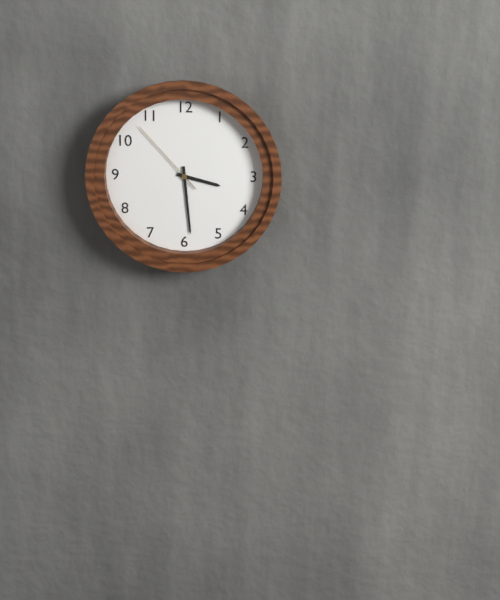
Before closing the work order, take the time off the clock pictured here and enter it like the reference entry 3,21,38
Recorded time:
3,29,53
